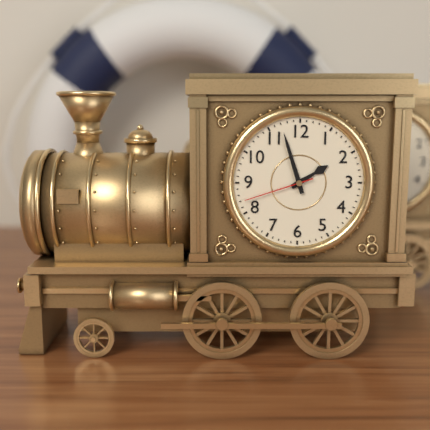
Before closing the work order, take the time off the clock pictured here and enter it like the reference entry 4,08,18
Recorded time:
1,57,42
